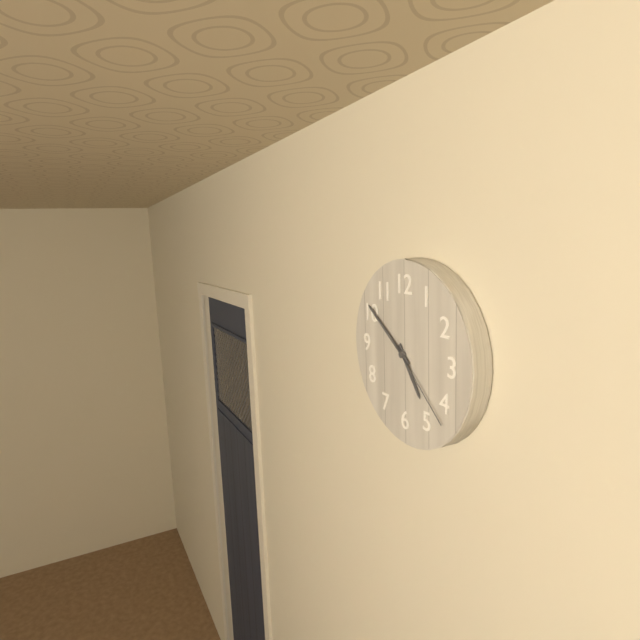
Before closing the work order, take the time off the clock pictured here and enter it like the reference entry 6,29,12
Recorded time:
4,51,22
